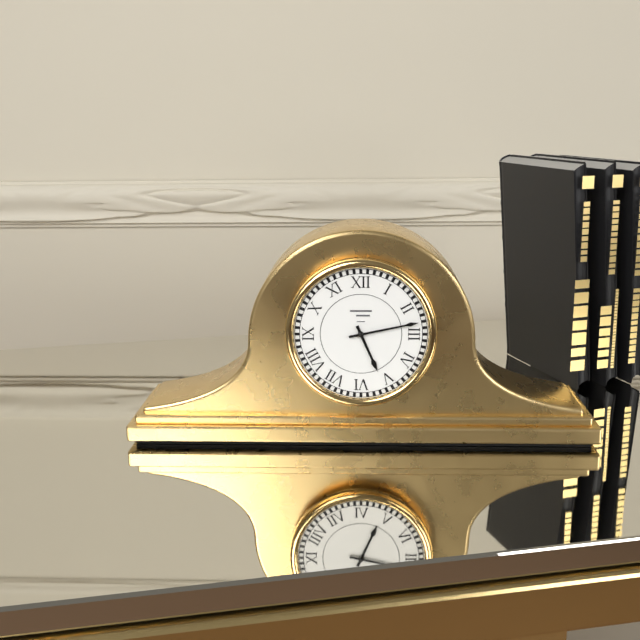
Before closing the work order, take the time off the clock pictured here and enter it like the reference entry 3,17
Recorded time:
5,13
